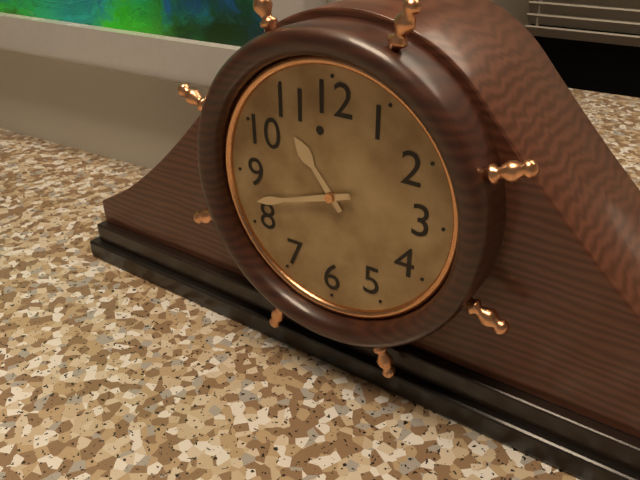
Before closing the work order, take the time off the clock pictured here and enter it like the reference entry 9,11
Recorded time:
10,42
